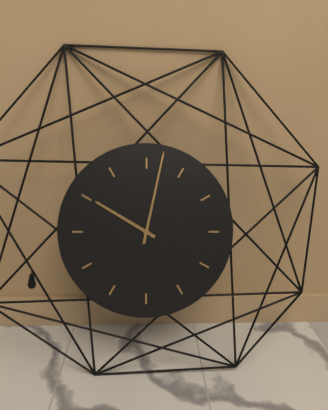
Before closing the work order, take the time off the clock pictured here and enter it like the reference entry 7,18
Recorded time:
10,02
